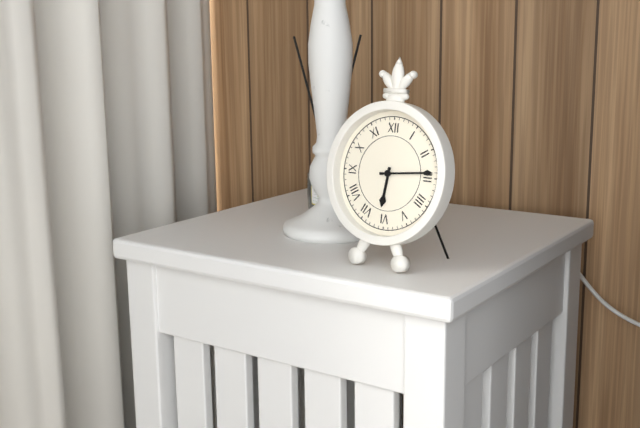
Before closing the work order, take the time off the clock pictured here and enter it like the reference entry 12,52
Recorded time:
6,14
